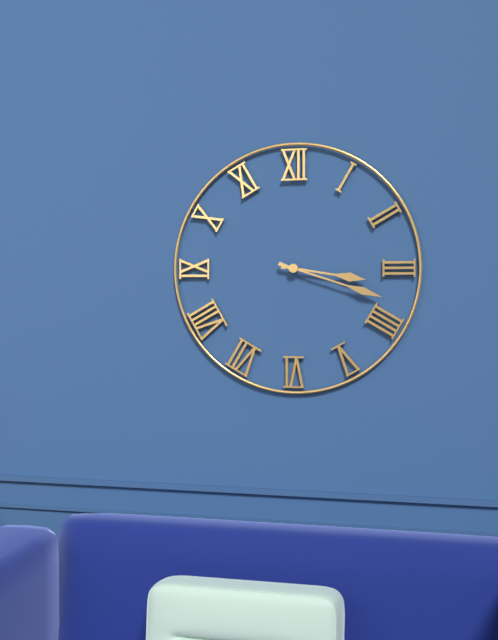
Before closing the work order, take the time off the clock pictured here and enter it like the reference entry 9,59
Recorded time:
3,18
